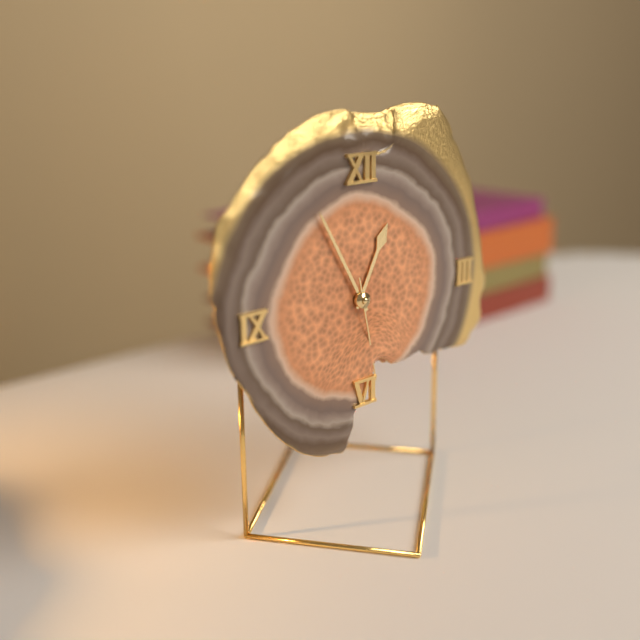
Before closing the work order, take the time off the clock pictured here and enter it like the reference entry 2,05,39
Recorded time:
12,55,28
